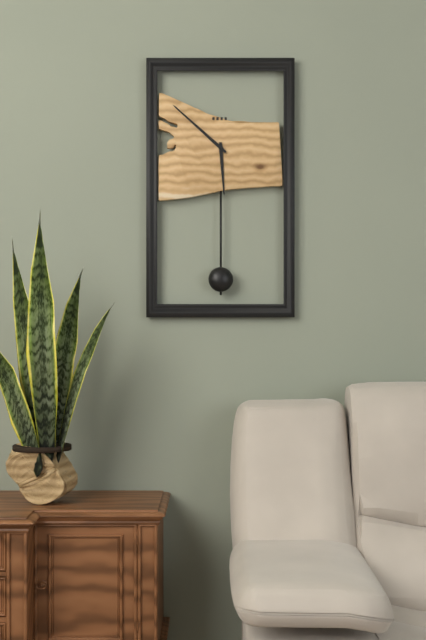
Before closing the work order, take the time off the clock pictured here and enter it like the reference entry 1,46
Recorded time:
5,52
